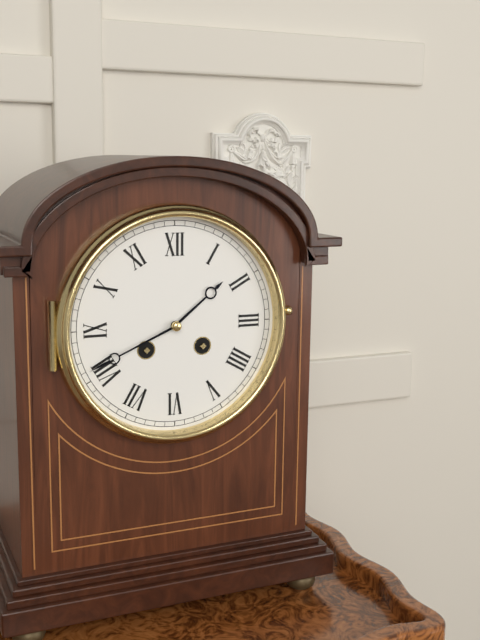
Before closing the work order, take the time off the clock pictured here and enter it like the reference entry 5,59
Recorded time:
1,41
